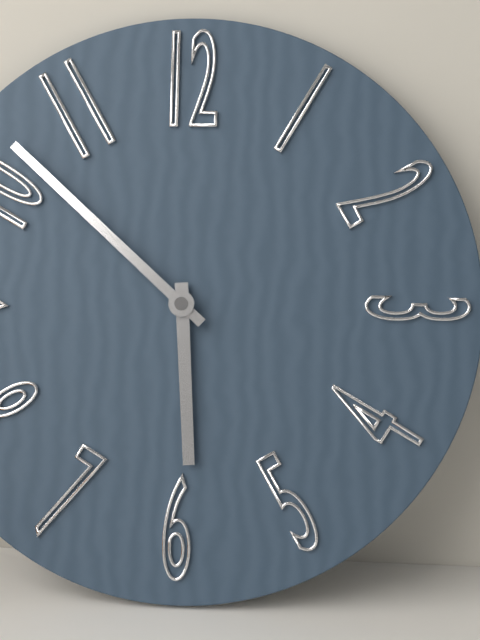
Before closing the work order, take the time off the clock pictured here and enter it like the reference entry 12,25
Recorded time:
5,52
